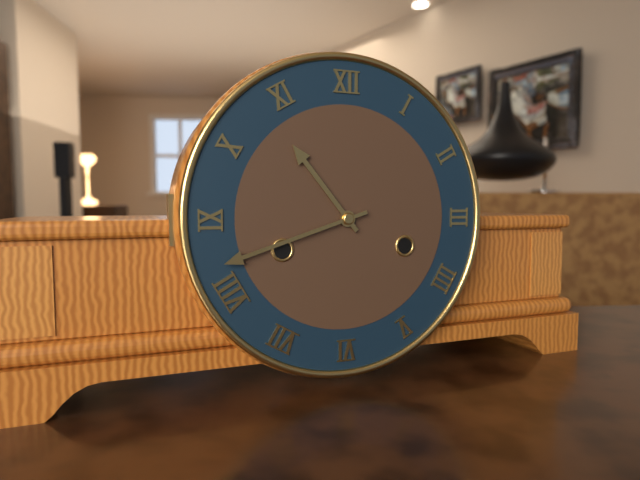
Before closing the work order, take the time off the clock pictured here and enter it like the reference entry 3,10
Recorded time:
10,42
